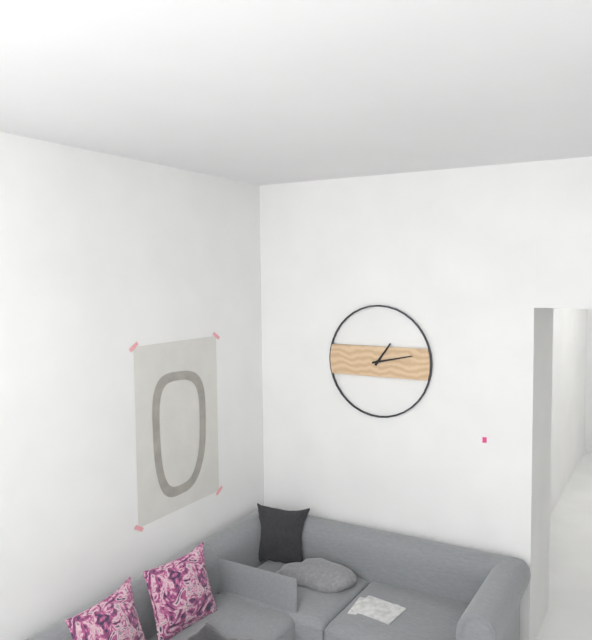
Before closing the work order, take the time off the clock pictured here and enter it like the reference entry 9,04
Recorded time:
1,13
